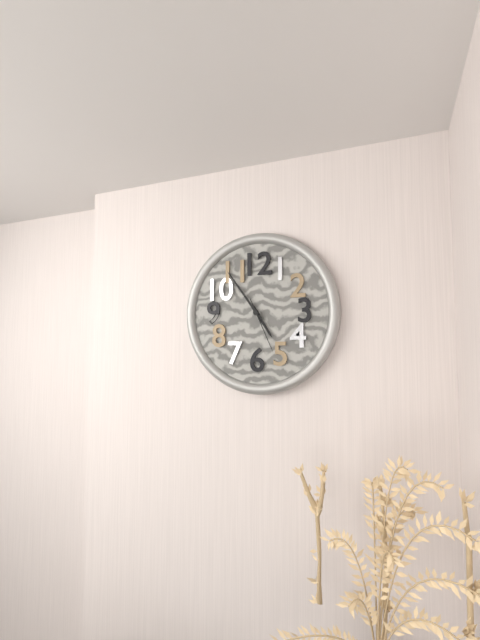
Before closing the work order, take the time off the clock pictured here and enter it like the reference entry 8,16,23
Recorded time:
4,54,26
